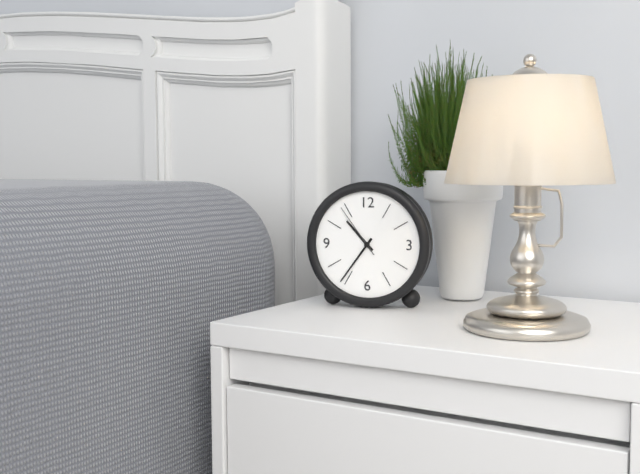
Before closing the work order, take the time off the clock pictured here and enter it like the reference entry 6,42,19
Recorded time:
10,36,54
